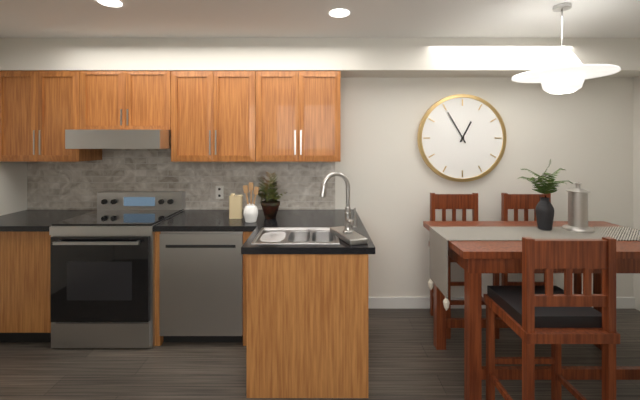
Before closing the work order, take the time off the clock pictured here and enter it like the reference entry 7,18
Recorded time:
12,55
